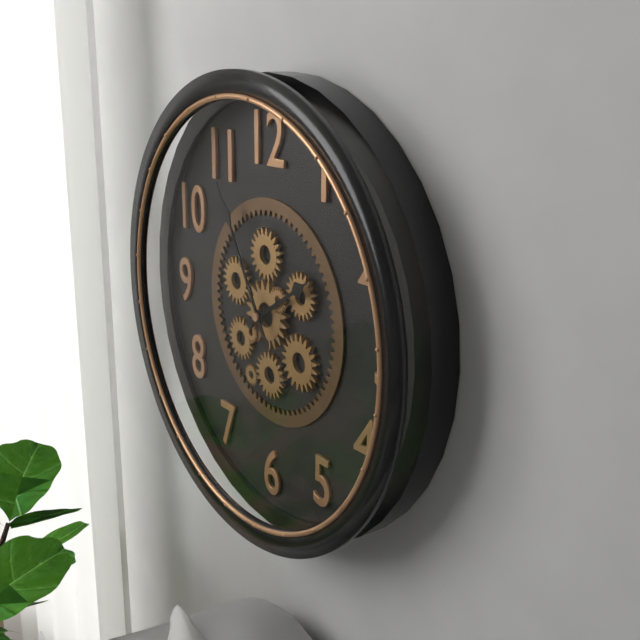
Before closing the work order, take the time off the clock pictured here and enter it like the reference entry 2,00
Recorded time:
1,55
